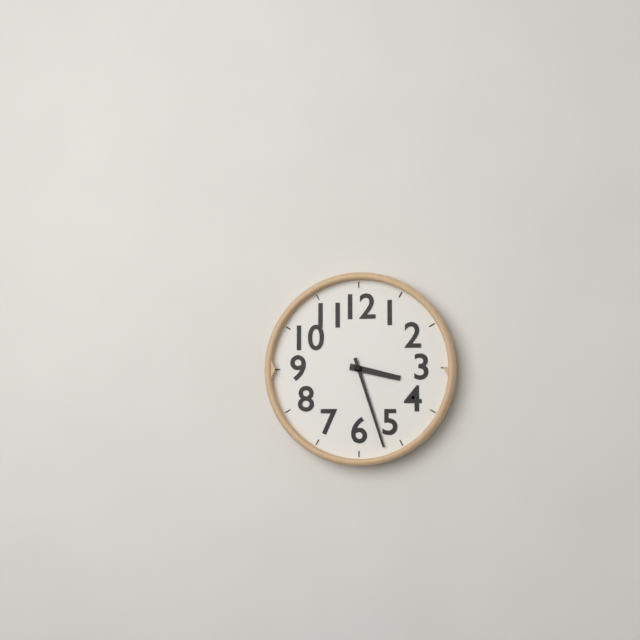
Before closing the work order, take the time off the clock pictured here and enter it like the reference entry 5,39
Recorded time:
3,27
